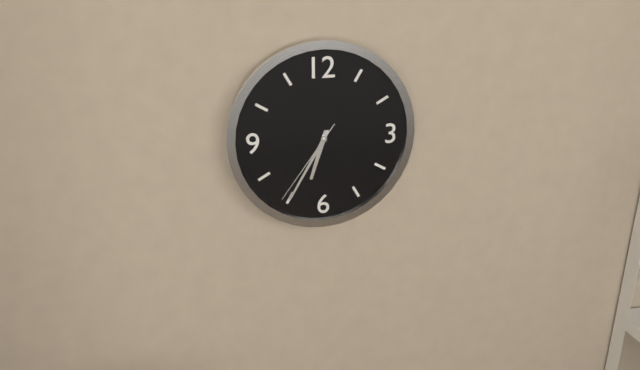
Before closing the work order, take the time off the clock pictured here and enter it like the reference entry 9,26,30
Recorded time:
6,35,36
